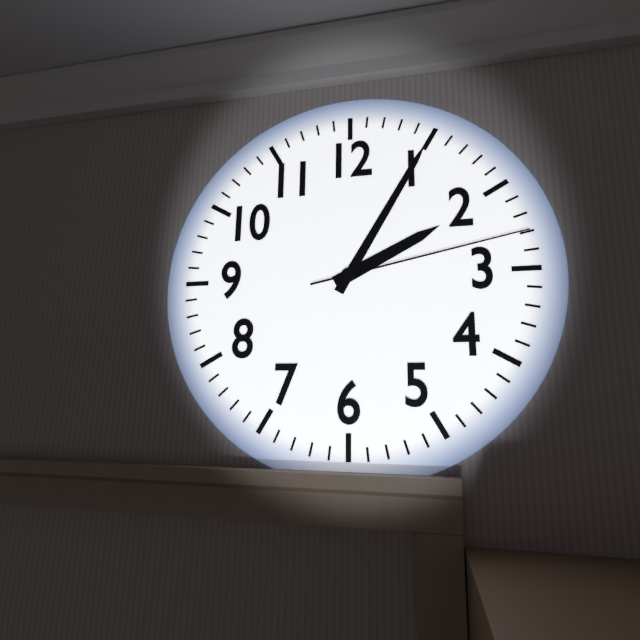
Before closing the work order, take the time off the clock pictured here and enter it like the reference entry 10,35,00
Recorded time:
2,05,13
